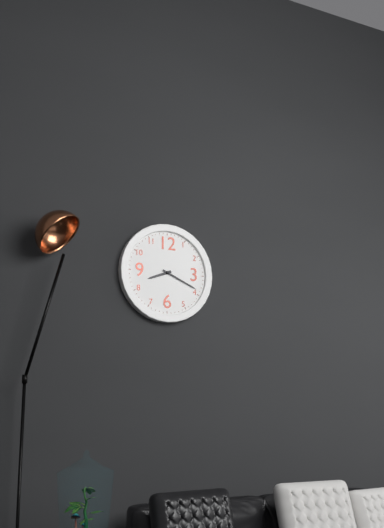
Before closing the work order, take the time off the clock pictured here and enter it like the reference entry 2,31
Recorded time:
8,19
